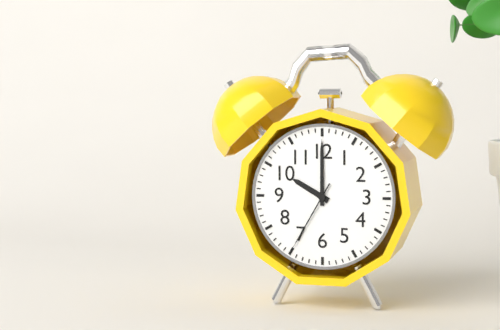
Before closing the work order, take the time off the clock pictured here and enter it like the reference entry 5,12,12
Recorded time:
10,00,35
